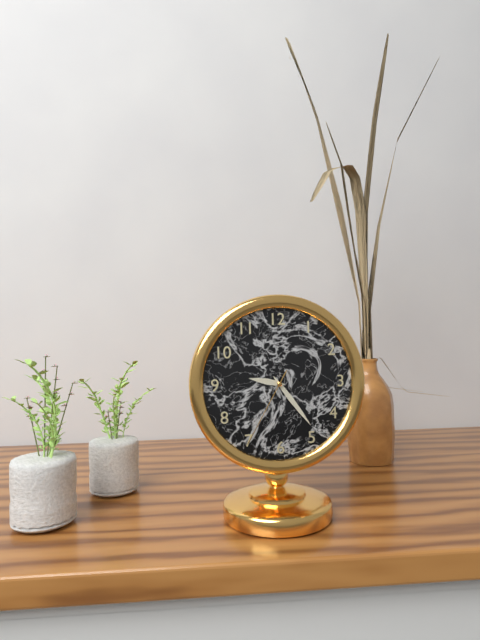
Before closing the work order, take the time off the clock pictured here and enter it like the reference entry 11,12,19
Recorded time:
9,24,35
